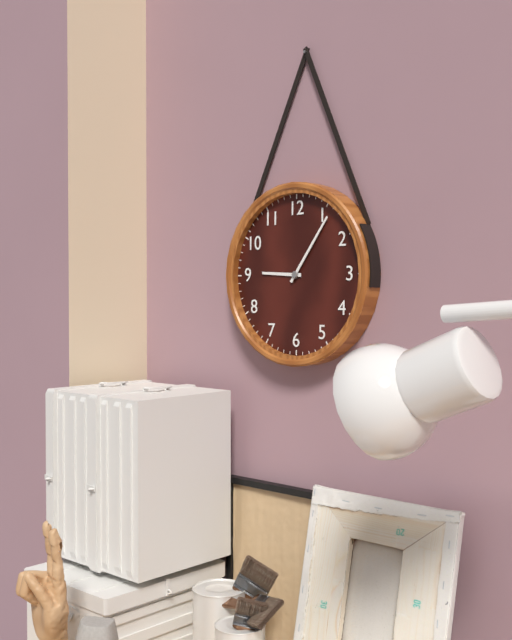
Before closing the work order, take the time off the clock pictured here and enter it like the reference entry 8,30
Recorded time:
9,06
